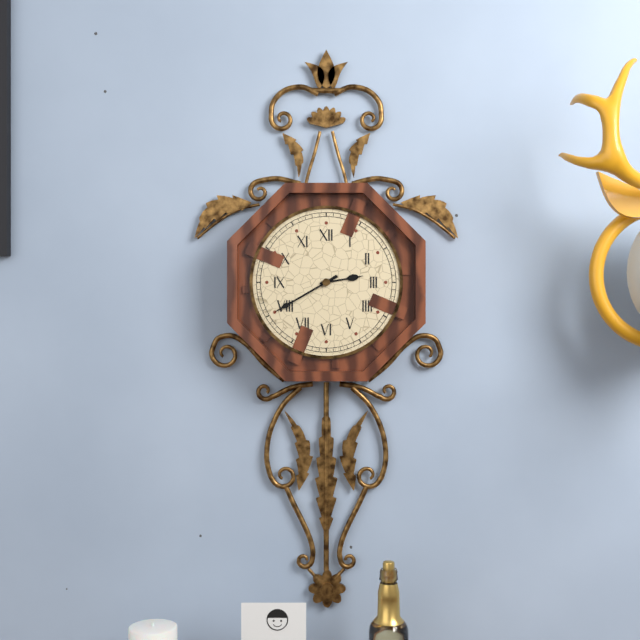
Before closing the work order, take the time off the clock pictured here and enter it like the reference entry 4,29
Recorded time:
2,40
